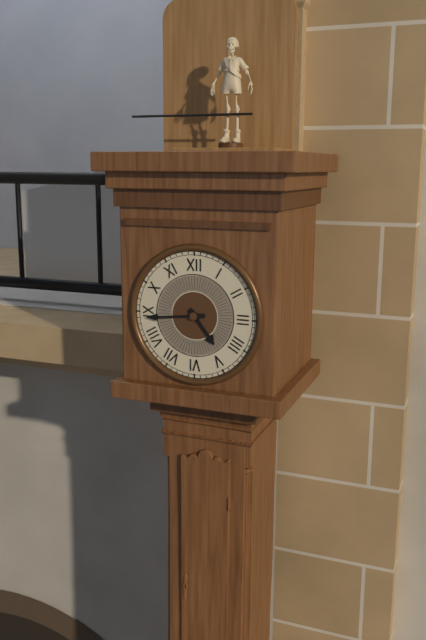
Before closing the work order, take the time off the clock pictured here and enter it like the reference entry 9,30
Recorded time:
4,44
